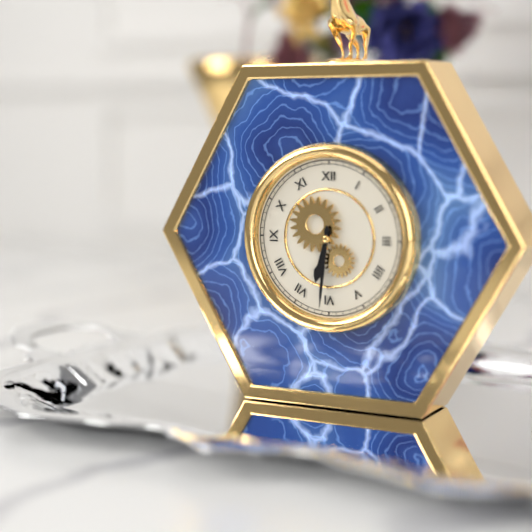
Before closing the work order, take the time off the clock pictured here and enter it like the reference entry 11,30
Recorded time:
6,31
